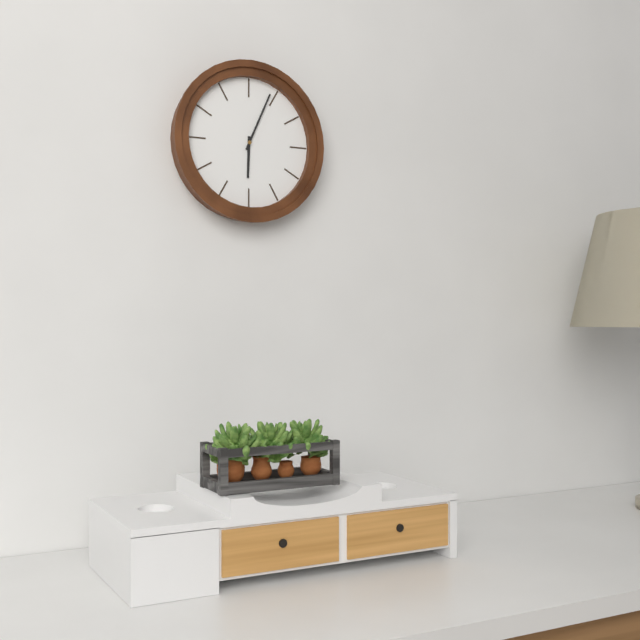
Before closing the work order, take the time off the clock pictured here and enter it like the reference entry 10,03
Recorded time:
6,04
